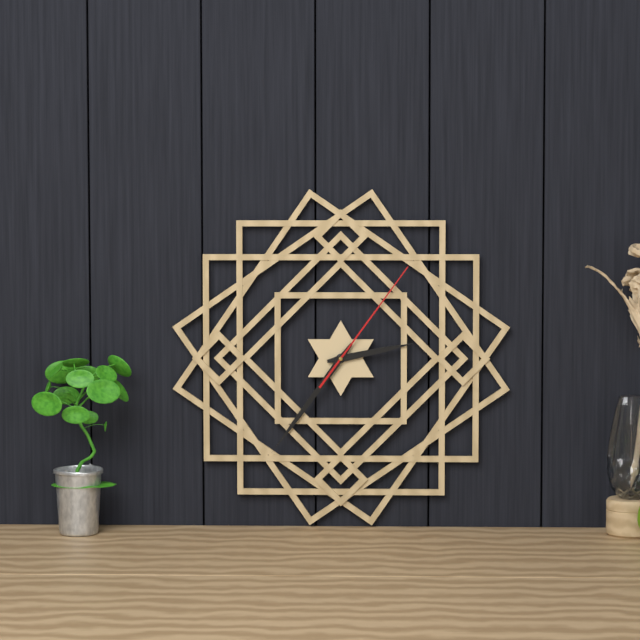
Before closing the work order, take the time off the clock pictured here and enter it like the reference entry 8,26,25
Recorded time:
2,36,06
